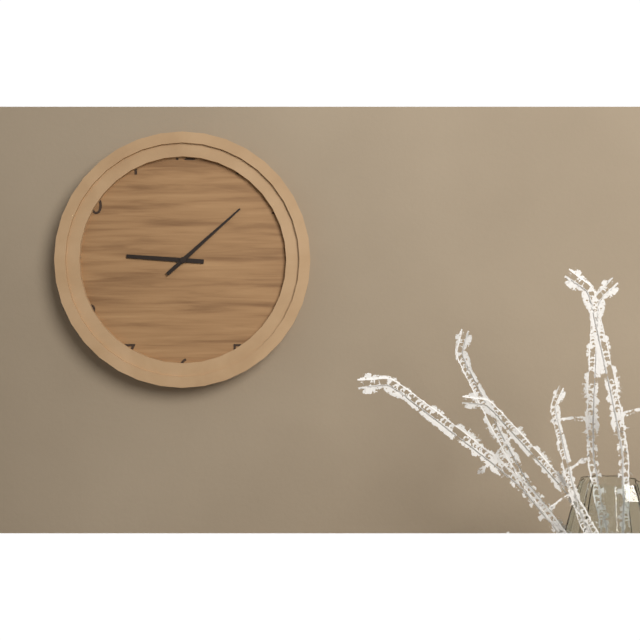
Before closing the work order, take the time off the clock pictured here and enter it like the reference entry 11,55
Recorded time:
9,08
